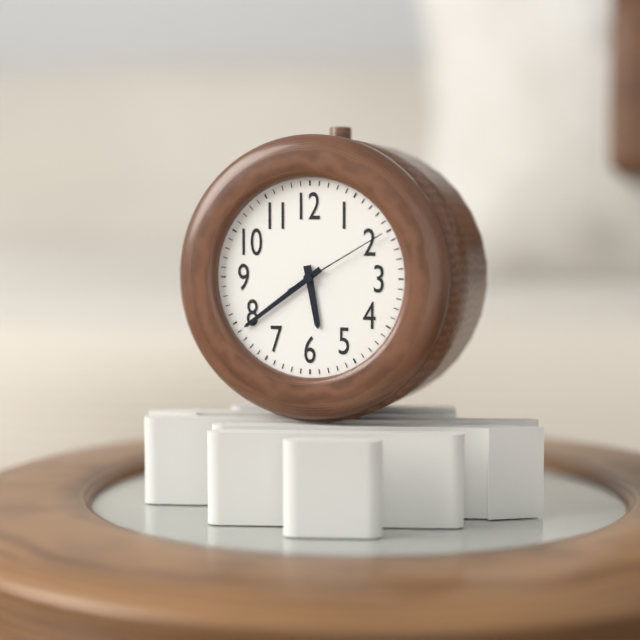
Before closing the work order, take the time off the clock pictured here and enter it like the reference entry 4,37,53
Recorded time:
5,39,10
